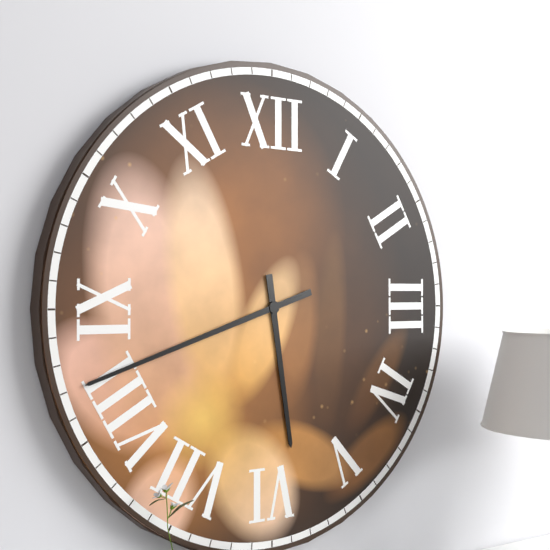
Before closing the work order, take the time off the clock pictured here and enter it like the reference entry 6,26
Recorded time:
5,42
